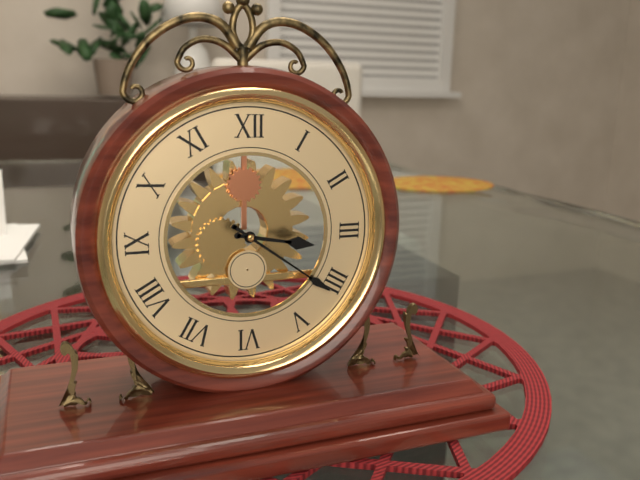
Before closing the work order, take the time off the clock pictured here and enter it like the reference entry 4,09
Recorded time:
3,21
